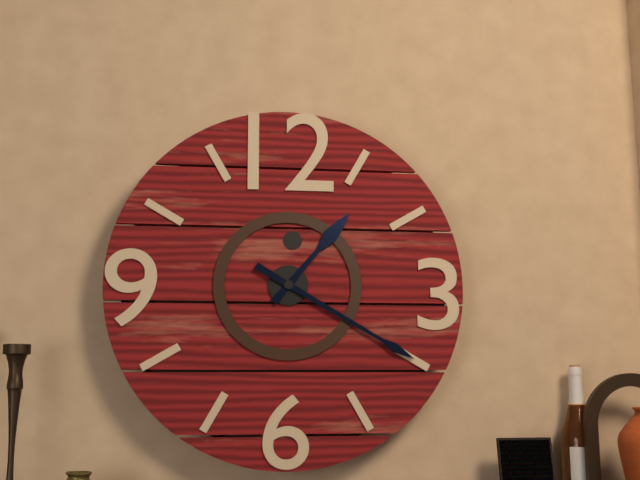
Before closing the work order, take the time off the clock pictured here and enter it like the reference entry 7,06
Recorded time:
1,20
